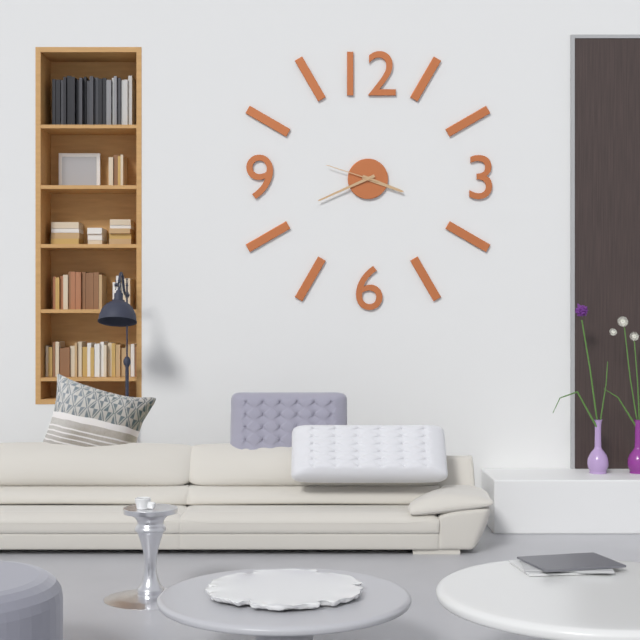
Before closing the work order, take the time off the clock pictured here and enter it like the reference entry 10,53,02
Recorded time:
3,41,48
